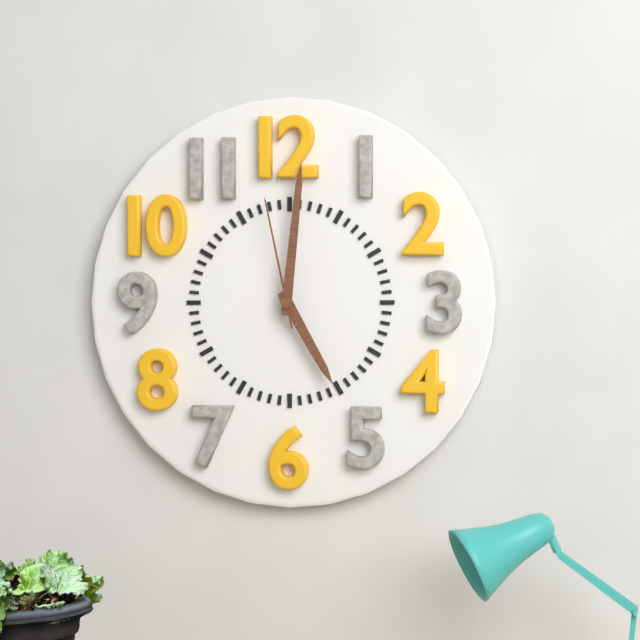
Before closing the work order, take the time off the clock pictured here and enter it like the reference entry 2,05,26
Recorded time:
5,01,58
